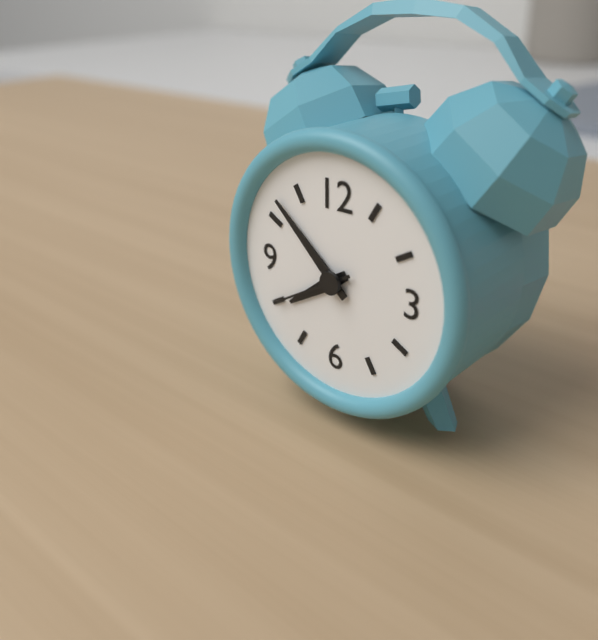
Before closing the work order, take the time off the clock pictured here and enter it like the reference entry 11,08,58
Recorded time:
7,52,40
